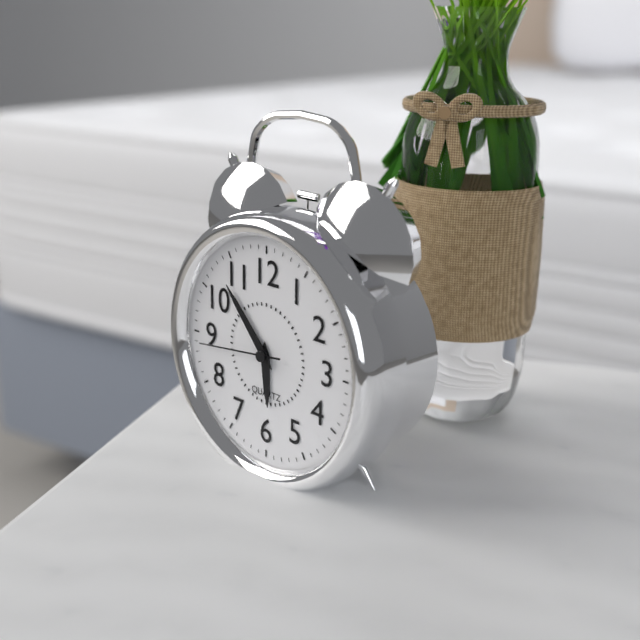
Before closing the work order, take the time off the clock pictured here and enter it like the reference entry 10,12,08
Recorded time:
5,53,44
